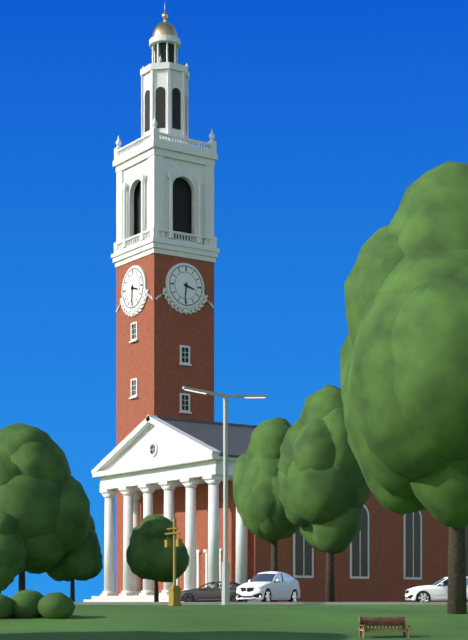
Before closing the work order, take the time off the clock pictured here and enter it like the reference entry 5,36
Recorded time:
3,31
